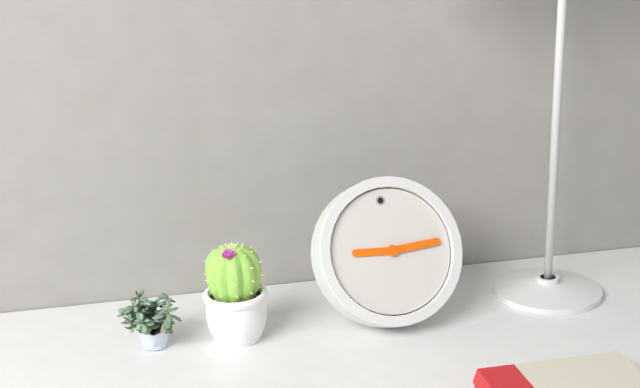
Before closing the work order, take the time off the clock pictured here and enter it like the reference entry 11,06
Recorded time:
9,15
